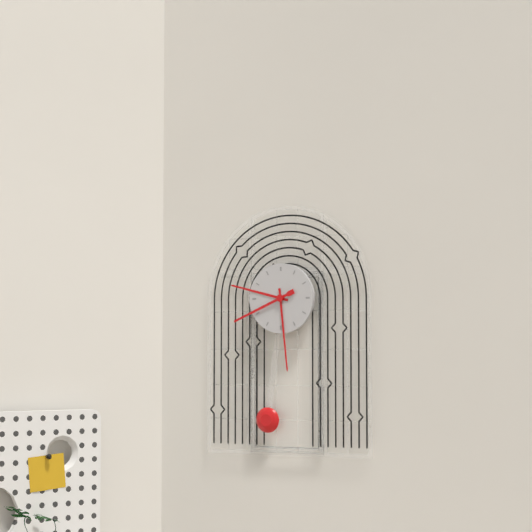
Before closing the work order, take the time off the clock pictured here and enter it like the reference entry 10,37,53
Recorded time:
9,29,41
